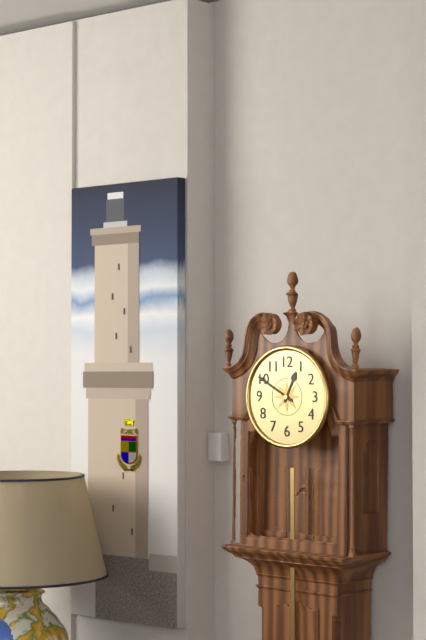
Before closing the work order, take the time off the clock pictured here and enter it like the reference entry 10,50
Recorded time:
12,50
